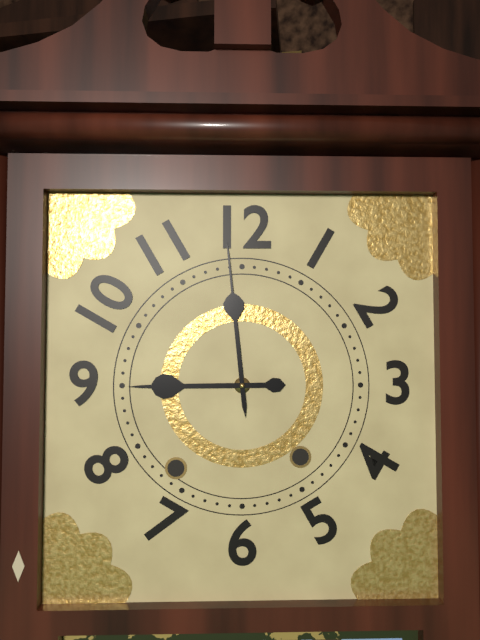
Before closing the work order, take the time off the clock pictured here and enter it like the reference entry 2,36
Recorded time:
8,59
